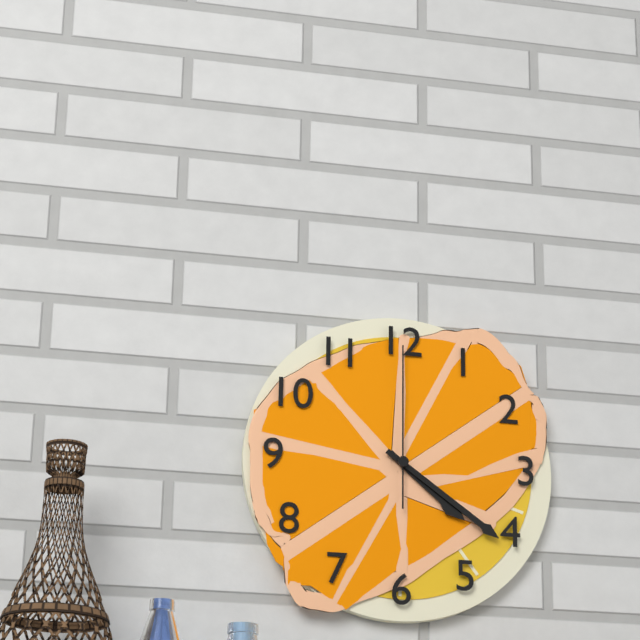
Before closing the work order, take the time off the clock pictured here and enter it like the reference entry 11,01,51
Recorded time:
4,21,00
